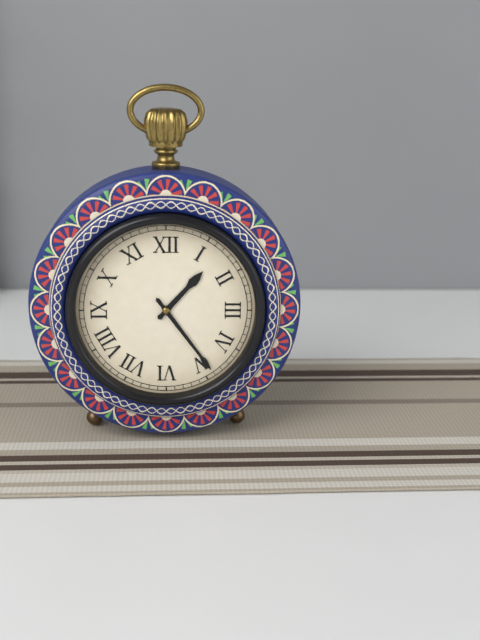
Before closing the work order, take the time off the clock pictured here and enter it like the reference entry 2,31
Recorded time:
1,24
